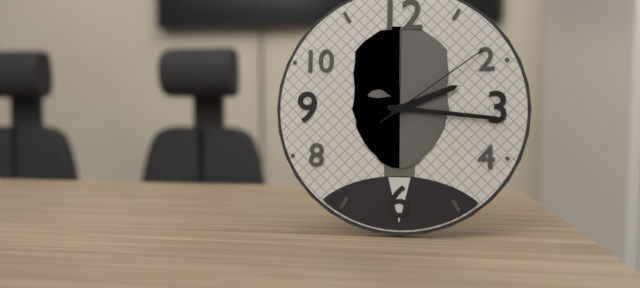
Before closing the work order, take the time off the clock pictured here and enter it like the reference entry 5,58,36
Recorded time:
2,16,09
